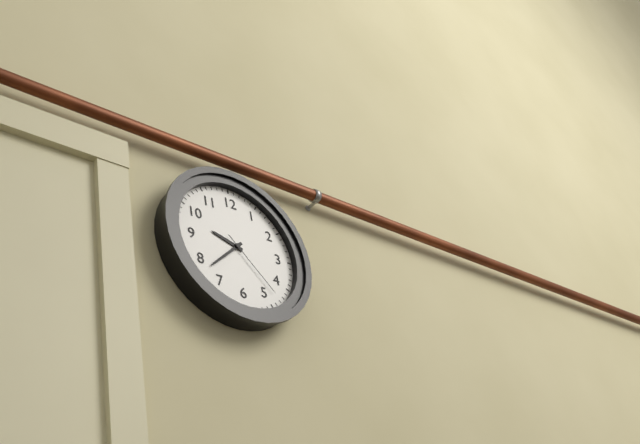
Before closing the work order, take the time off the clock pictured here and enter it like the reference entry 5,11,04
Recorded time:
9,38,23
